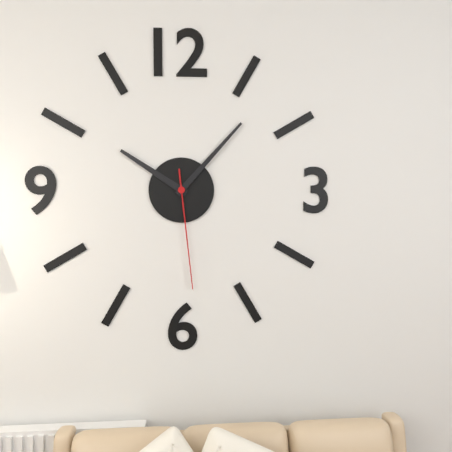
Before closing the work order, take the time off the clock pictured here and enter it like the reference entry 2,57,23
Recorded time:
10,07,29
